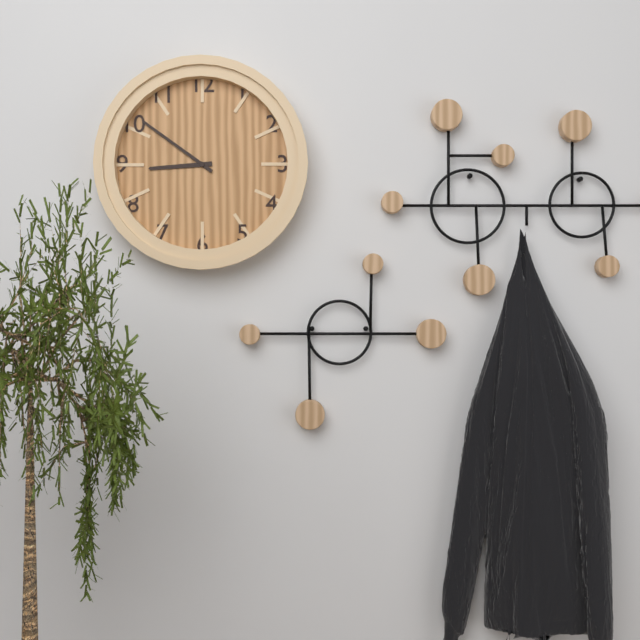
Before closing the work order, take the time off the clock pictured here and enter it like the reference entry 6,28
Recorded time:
8,51
